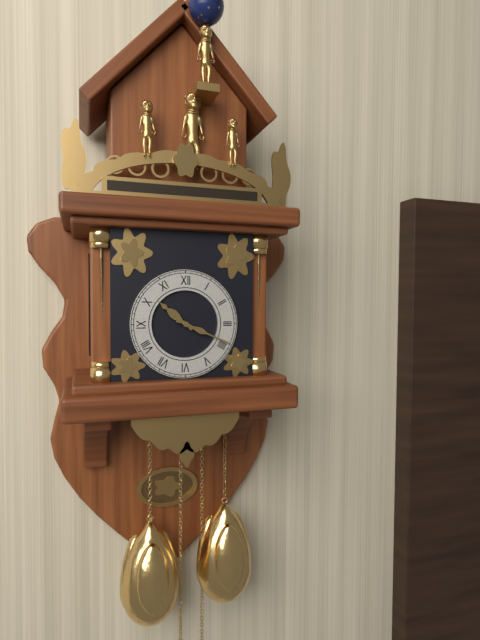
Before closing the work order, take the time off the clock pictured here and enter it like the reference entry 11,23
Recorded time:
10,19
